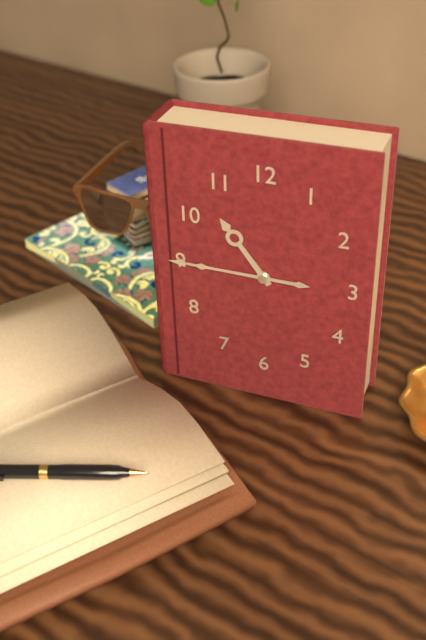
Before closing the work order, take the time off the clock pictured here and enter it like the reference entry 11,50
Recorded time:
10,45
